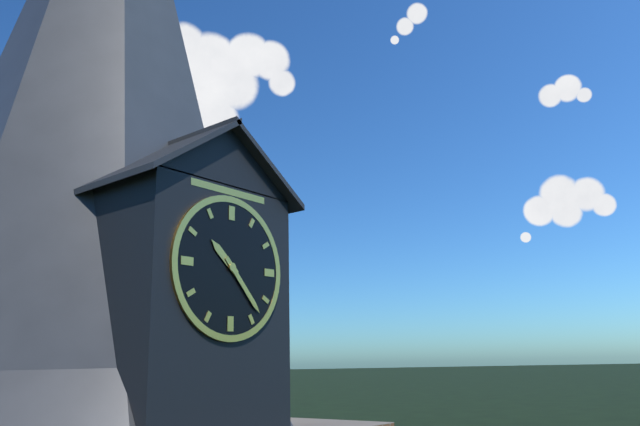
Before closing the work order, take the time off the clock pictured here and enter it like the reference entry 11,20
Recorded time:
10,23
